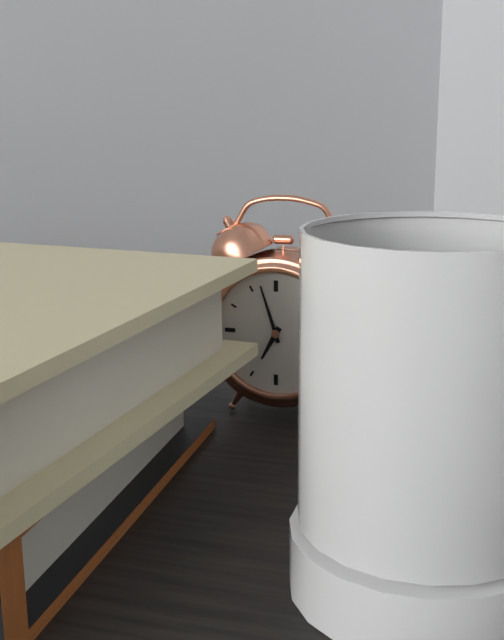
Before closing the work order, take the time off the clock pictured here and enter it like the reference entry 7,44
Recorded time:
6,57
